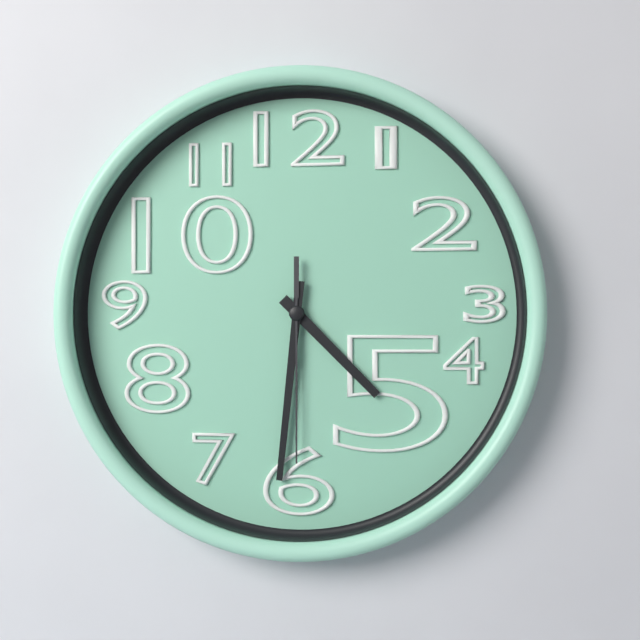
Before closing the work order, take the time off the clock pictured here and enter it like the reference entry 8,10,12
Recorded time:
4,31,30
